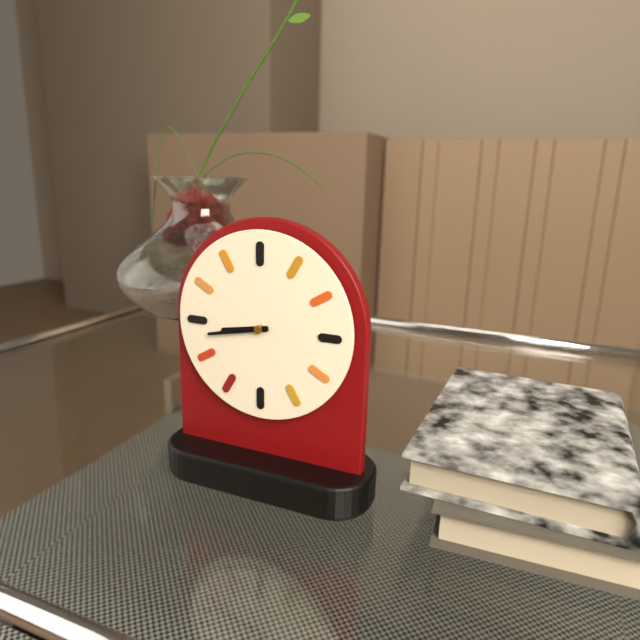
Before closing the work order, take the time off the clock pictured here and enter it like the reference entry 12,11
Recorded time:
8,43
